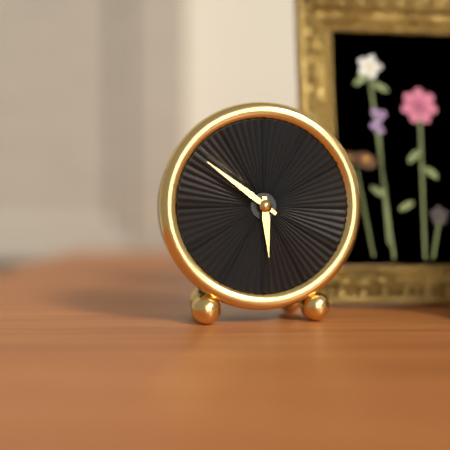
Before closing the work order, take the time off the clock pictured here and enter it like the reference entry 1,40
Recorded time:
5,51
